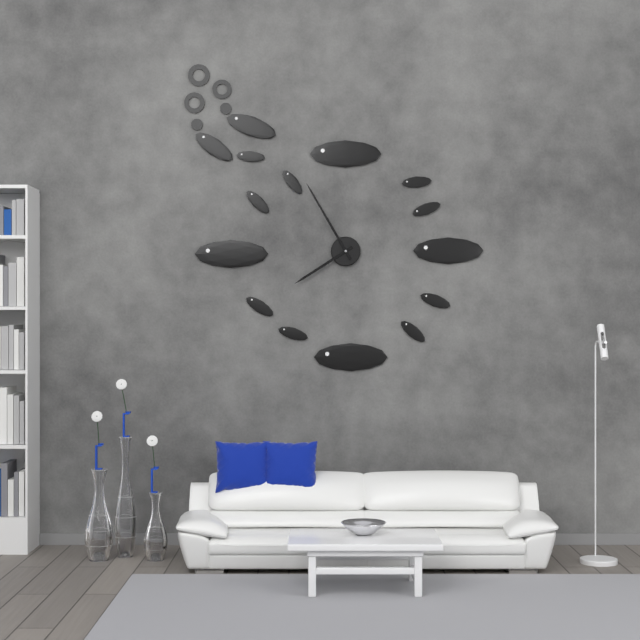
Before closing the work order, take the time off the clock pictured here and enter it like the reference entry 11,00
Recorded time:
7,55
